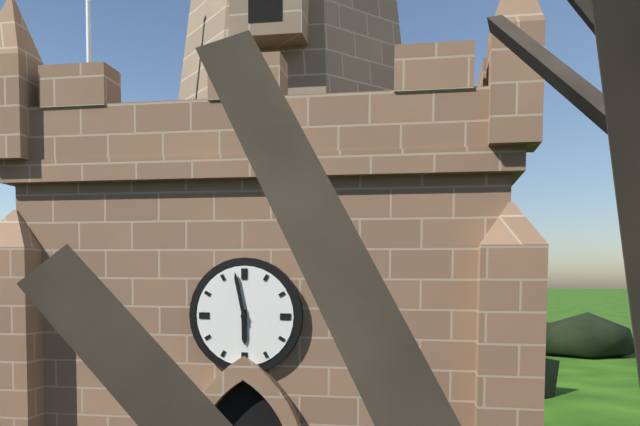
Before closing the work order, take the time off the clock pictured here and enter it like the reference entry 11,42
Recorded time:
5,58
